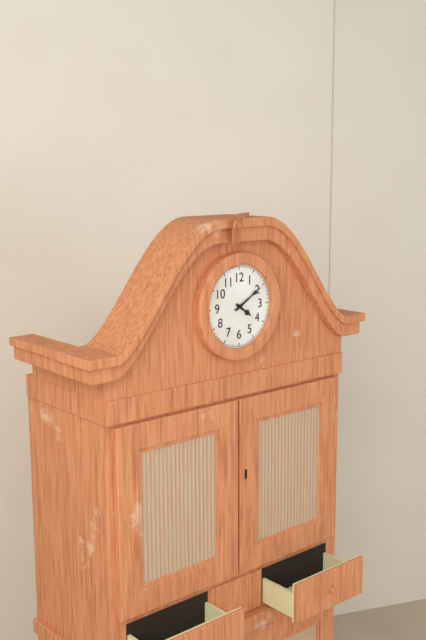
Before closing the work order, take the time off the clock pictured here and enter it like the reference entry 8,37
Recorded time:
4,10
